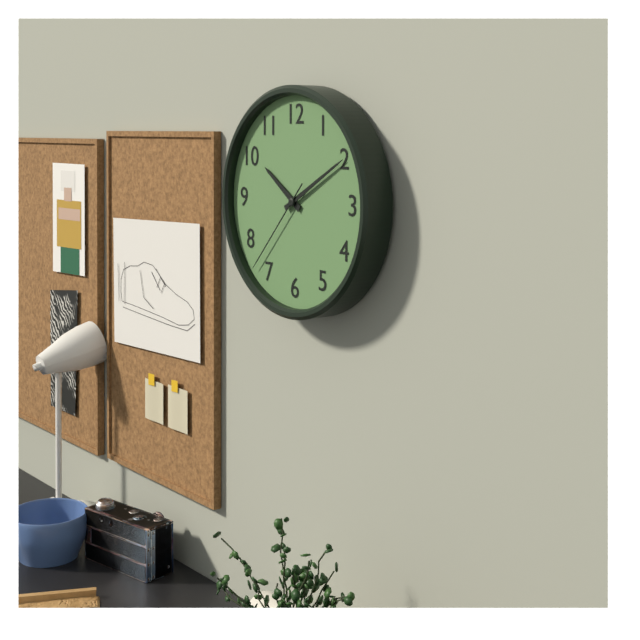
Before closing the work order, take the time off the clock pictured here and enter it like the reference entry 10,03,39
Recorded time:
10,10,37
